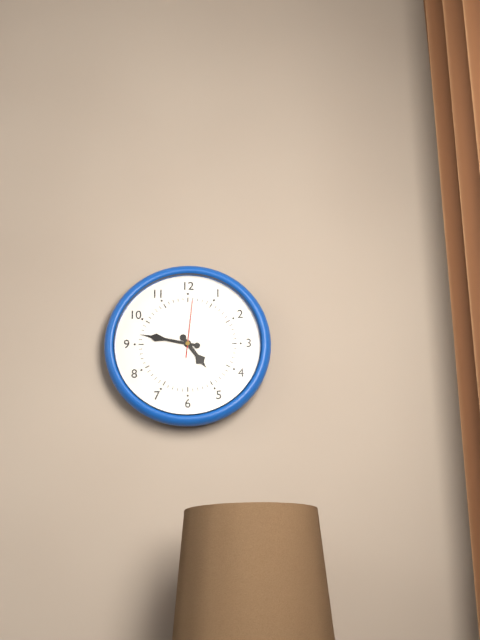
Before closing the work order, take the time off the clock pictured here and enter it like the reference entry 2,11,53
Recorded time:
4,47,01
